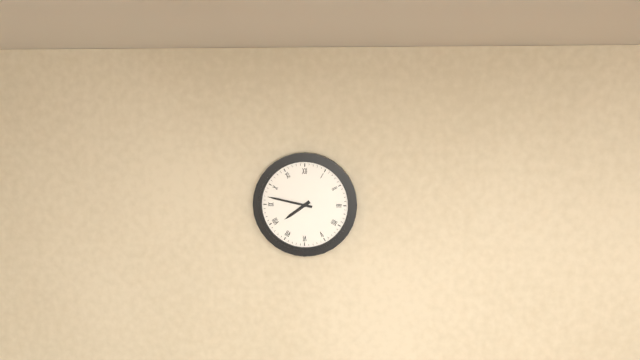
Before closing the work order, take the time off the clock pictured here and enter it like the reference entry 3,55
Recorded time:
7,47
